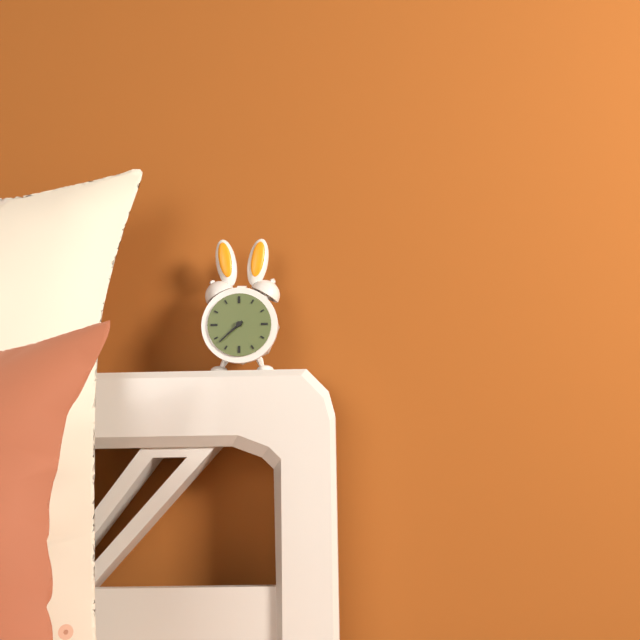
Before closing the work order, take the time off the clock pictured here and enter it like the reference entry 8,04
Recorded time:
7,38
